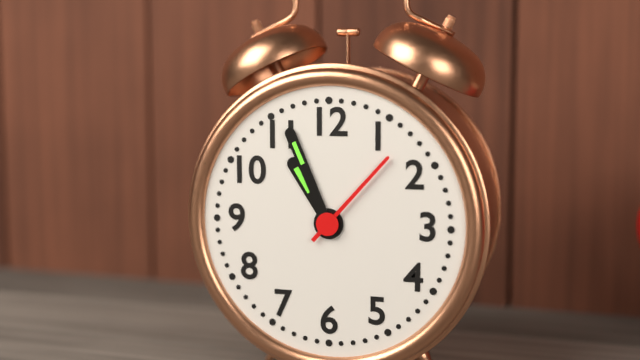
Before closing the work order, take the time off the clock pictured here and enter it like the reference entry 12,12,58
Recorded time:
10,56,07
